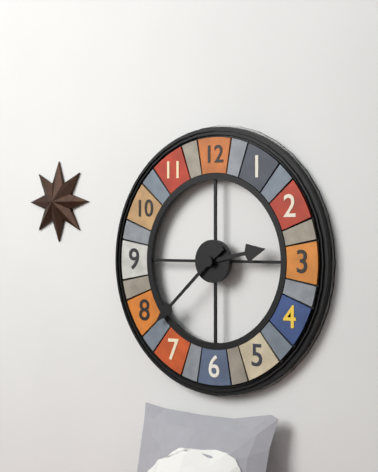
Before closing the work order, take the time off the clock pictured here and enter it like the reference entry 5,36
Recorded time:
2,38
